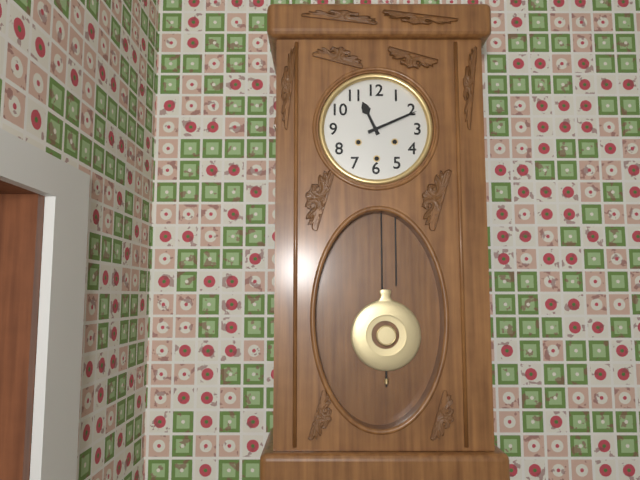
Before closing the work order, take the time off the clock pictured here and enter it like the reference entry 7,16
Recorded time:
11,11
